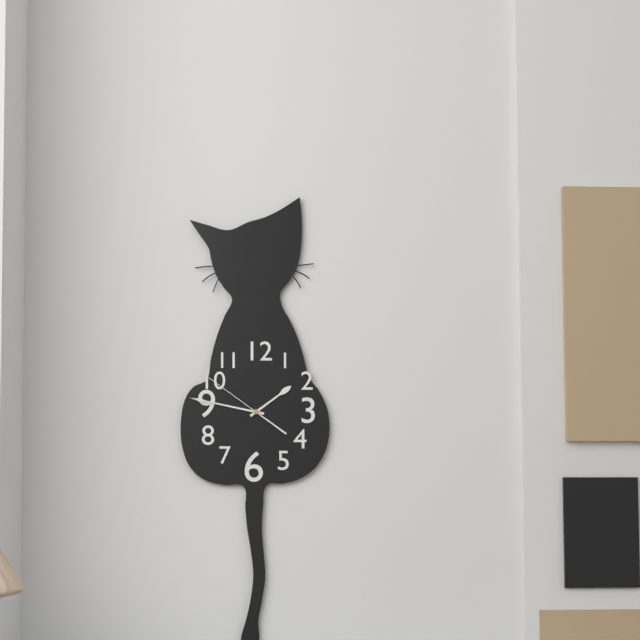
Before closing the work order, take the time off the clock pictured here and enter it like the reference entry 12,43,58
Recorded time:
1,47,51
